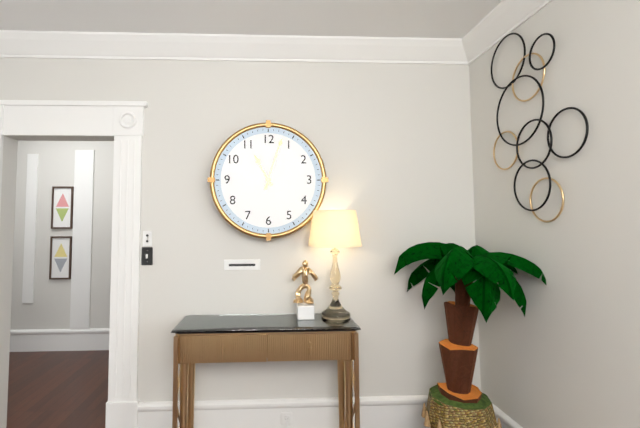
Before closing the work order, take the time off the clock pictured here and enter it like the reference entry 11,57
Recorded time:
11,03
